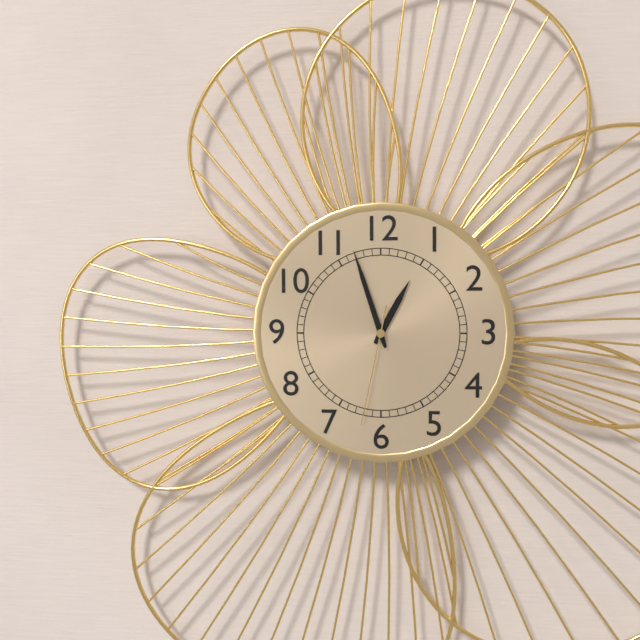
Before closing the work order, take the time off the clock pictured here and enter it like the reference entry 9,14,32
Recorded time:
12,57,32
